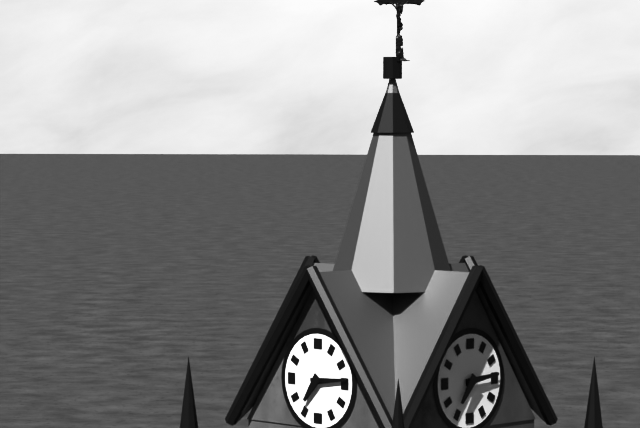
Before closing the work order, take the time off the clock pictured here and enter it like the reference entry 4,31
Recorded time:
7,14
